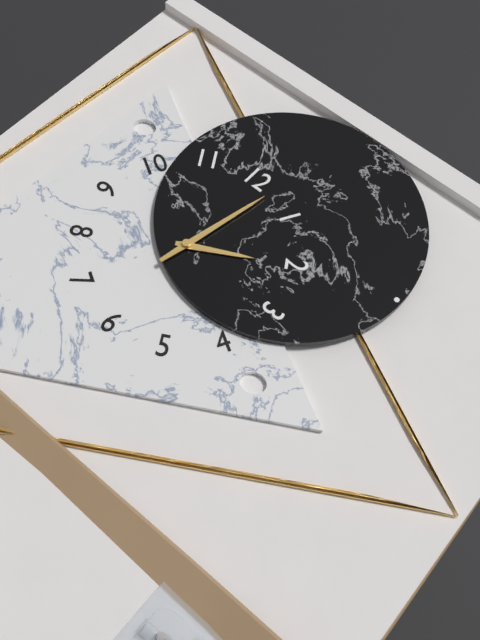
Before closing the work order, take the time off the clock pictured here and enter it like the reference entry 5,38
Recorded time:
2,02
